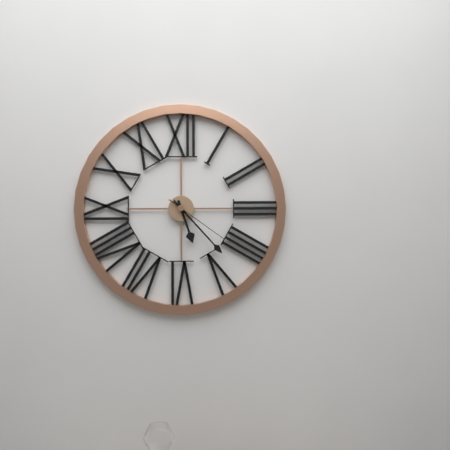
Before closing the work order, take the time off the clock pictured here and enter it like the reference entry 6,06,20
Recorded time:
5,23,21
